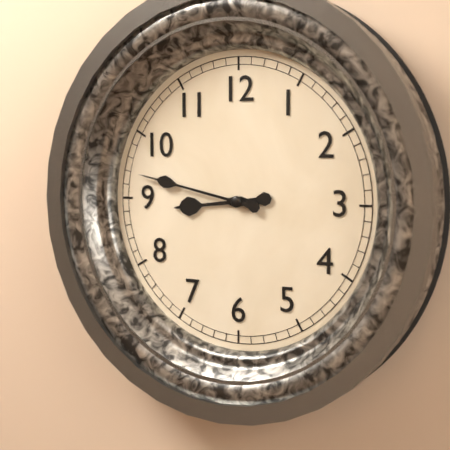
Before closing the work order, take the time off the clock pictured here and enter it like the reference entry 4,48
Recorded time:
8,47
